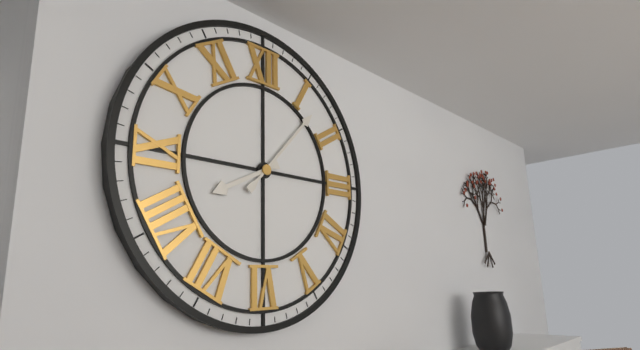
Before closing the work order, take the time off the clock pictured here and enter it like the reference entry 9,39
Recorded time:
8,07
